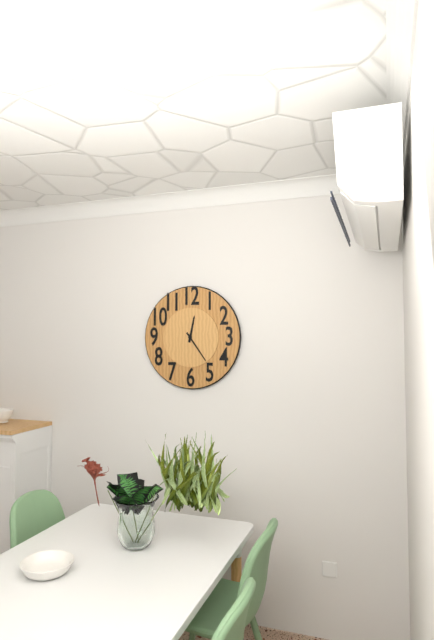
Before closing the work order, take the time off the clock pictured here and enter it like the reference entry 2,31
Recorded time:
12,24
